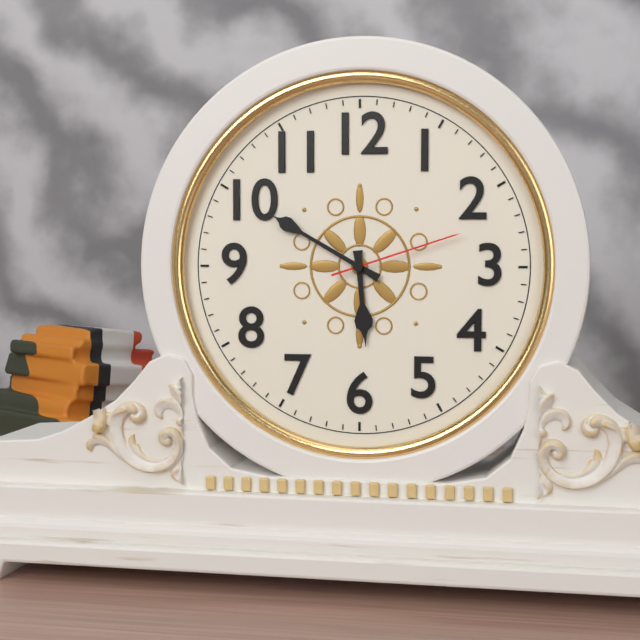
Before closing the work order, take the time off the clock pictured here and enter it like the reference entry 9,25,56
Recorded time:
5,50,12
